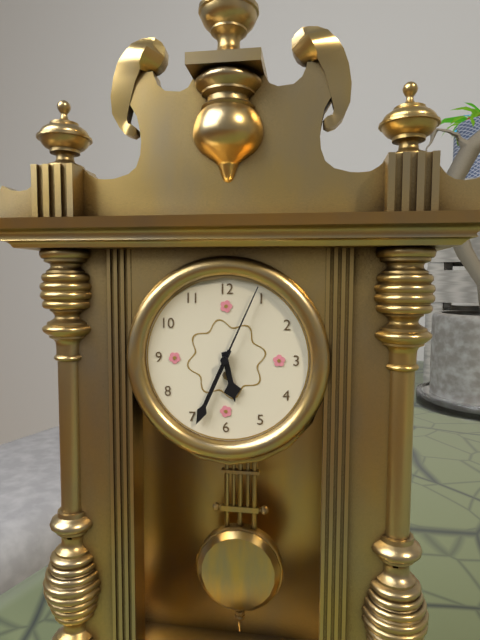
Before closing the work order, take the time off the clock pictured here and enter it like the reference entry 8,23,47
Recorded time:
5,34,04
